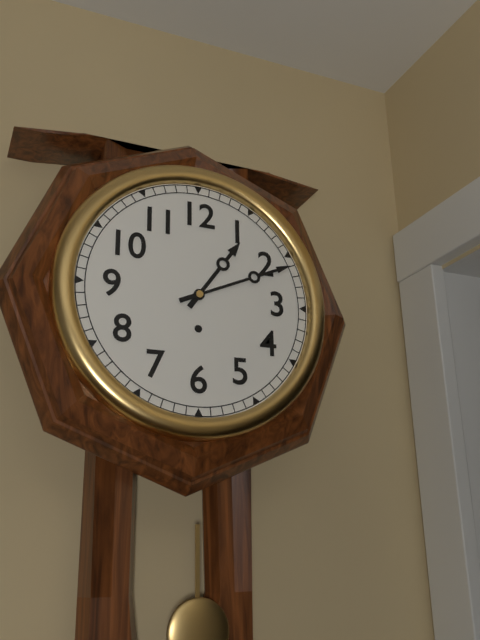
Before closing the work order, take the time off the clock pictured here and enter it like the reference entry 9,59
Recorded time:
1,11
